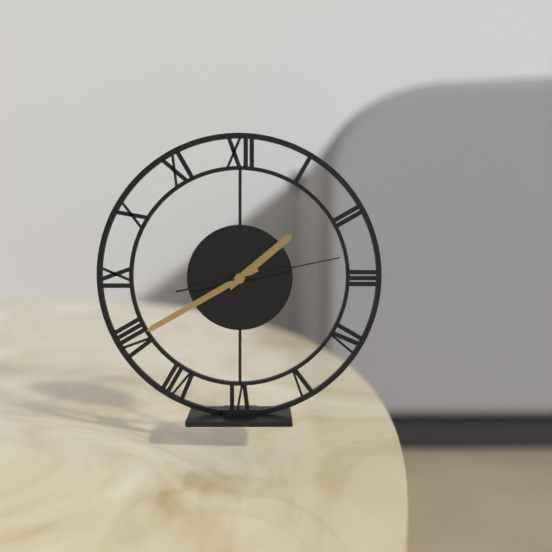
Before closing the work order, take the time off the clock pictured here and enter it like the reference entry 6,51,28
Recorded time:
1,40,13
